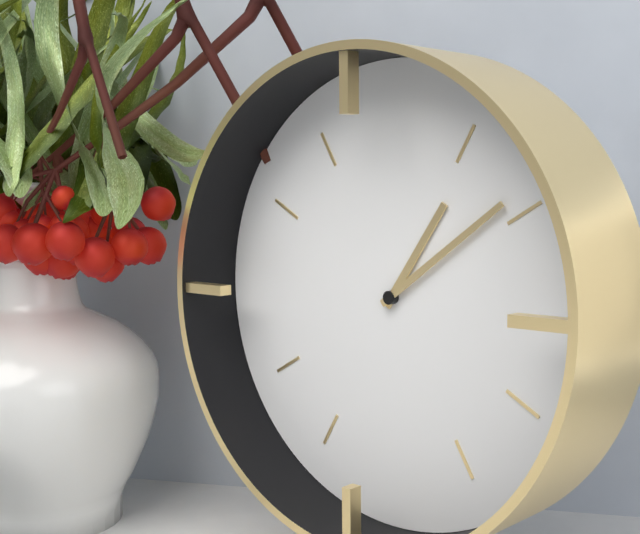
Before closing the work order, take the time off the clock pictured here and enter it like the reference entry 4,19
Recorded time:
1,09
